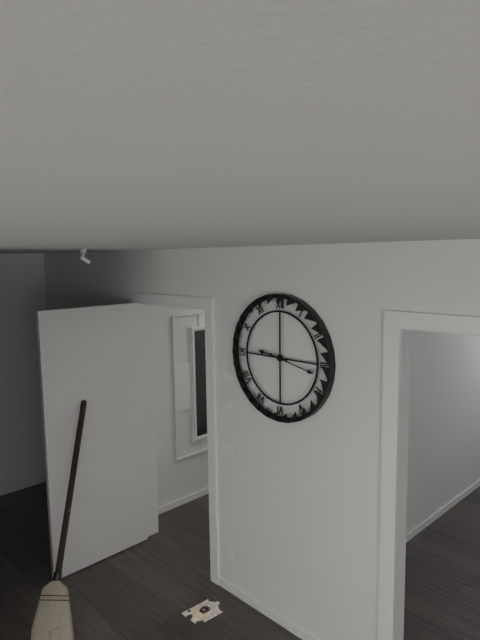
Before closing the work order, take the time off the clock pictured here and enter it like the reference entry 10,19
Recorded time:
9,17
